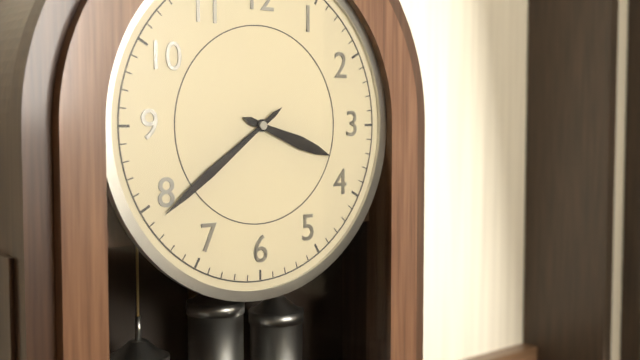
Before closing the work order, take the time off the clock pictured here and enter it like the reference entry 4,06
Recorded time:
3,39
